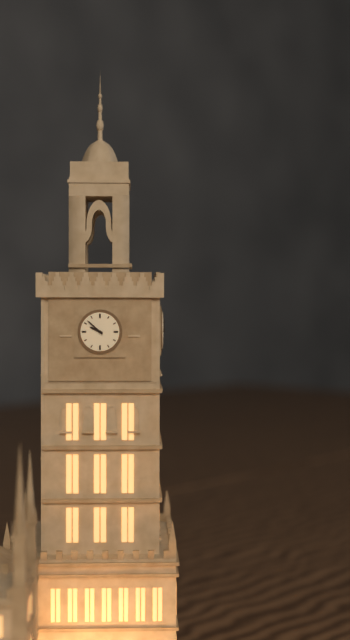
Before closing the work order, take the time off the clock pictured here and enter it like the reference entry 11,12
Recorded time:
9,52
